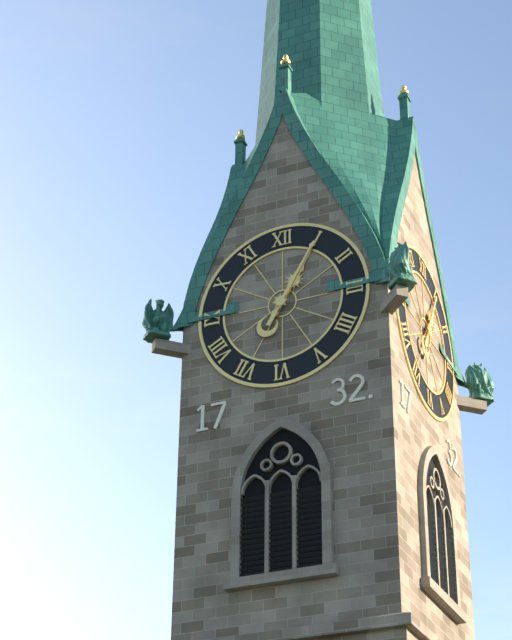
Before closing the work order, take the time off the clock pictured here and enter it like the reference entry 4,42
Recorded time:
1,05
